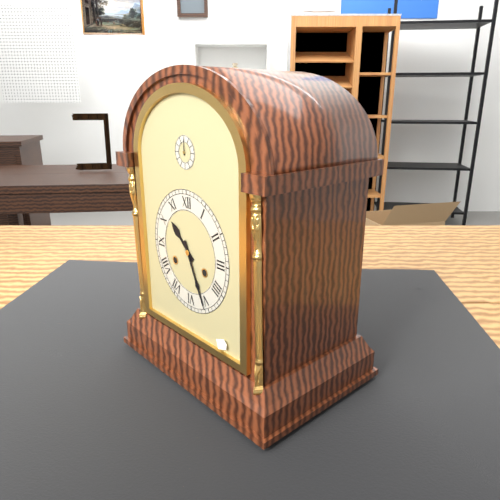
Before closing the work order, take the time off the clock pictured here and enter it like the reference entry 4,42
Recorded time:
10,26
